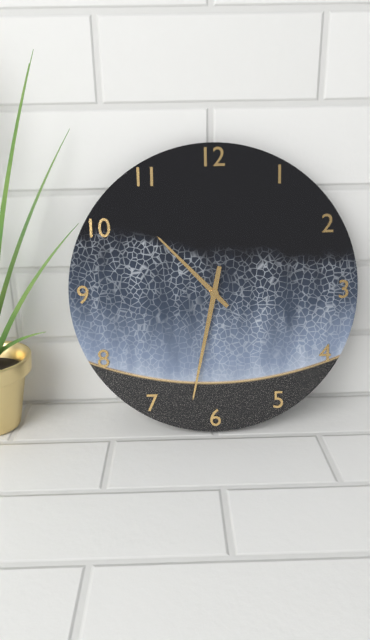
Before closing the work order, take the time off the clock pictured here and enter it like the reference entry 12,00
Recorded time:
10,32
